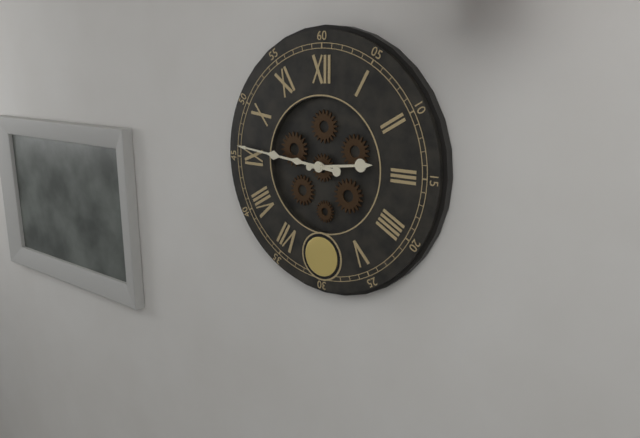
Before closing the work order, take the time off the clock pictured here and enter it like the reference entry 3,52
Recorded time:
2,46
